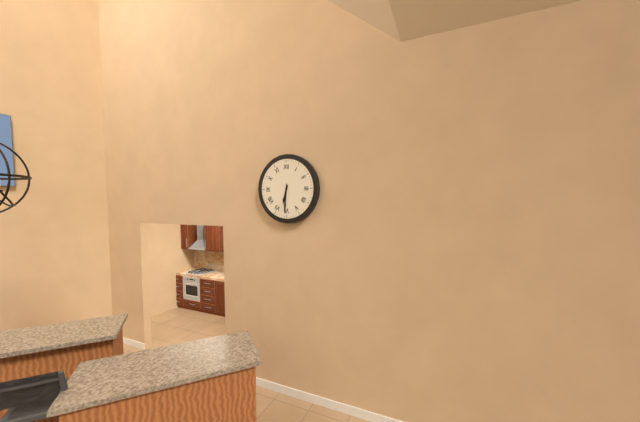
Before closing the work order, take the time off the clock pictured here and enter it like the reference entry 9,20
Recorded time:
6,31
